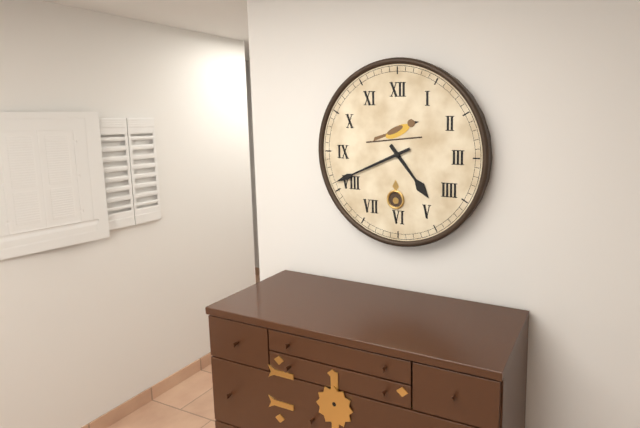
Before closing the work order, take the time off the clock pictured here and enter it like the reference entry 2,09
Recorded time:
4,41
